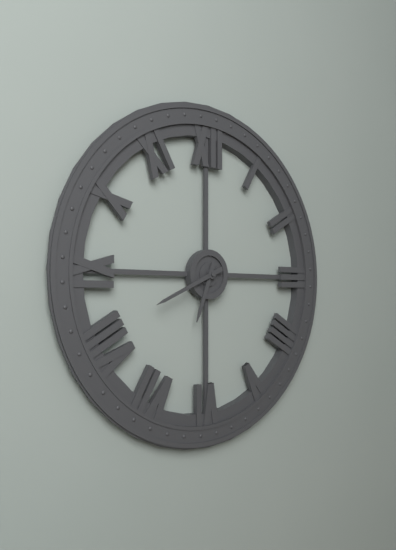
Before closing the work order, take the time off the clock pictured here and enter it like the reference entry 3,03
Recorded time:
6,41
